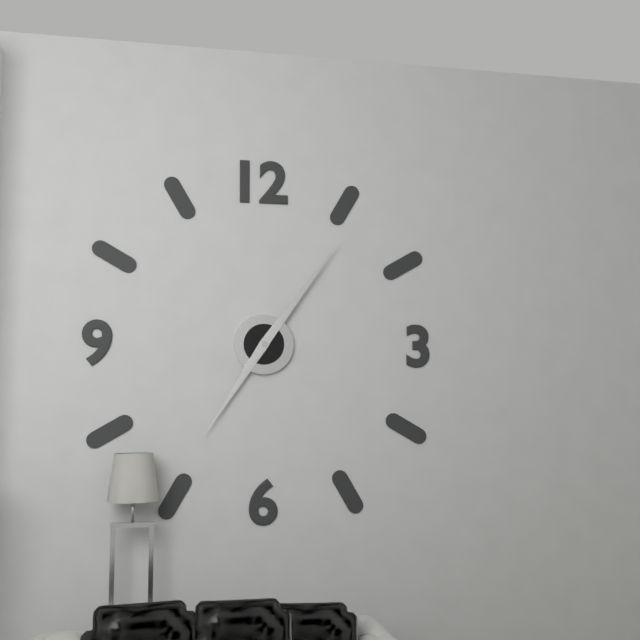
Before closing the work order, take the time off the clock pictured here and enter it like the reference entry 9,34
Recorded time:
7,06
